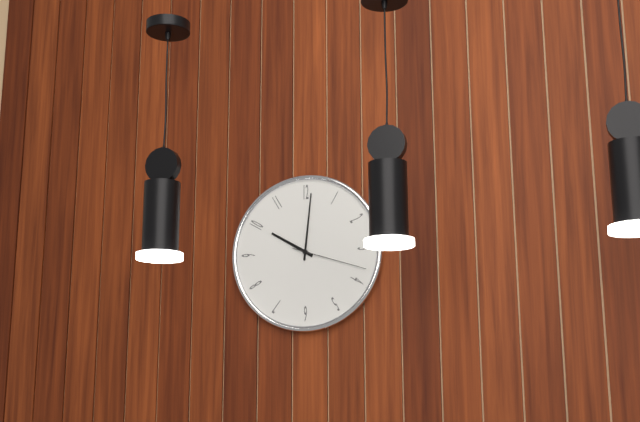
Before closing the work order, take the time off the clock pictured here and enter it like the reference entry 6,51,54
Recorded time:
10,01,18
